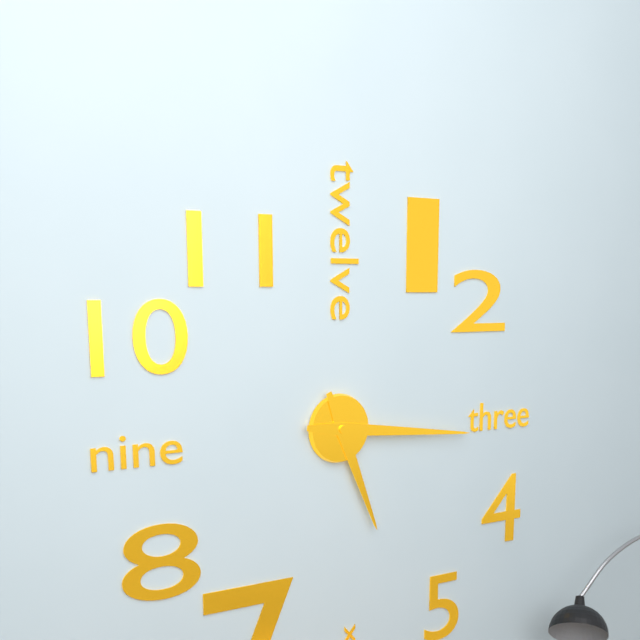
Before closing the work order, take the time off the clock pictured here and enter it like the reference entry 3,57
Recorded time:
5,16
